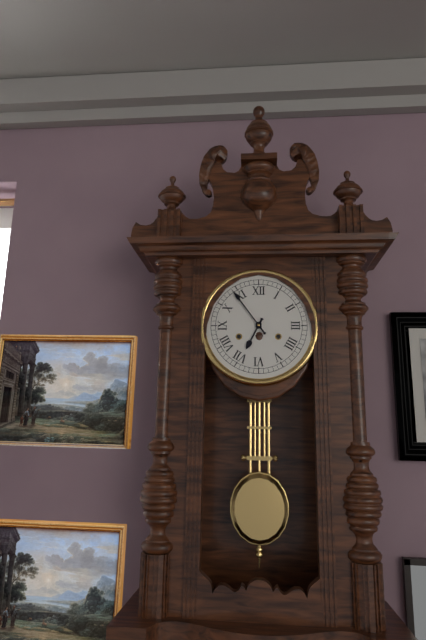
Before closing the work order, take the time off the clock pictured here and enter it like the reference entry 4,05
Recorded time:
6,54
